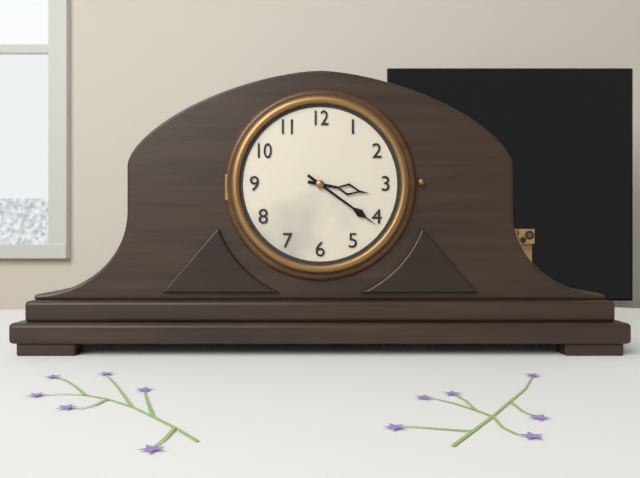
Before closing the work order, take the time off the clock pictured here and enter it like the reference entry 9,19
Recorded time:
3,21
